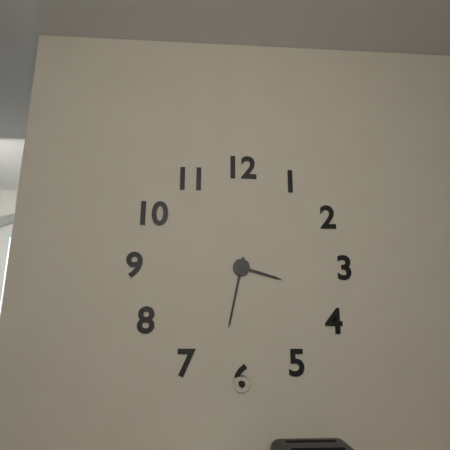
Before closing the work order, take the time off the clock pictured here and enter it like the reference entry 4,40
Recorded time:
3,32
